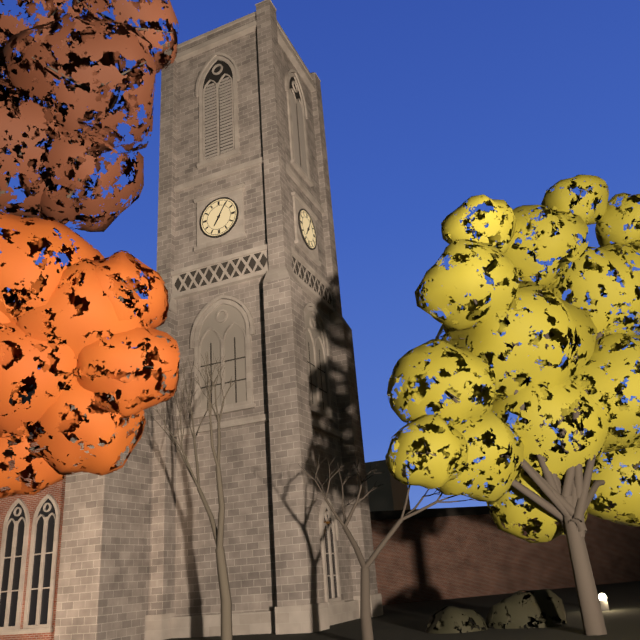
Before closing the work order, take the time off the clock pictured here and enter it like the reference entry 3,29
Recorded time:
7,05
